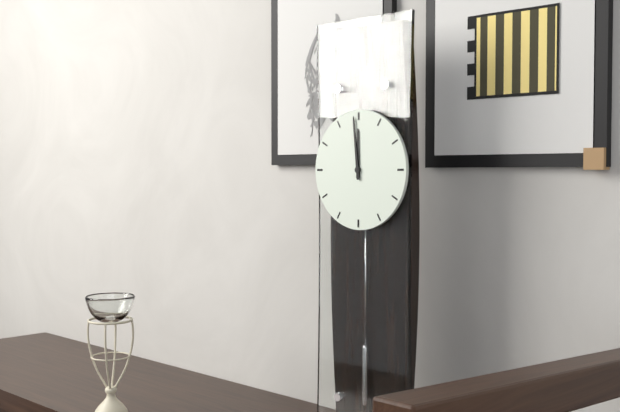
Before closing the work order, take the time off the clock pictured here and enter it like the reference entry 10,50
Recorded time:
11,59
